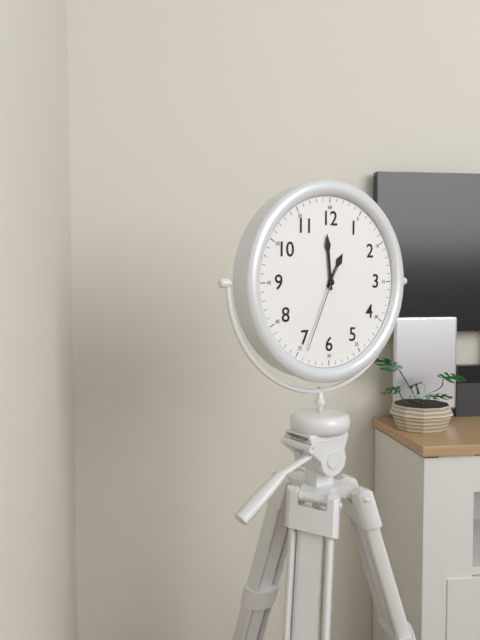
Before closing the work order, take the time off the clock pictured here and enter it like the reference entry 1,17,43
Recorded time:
12,59,34
